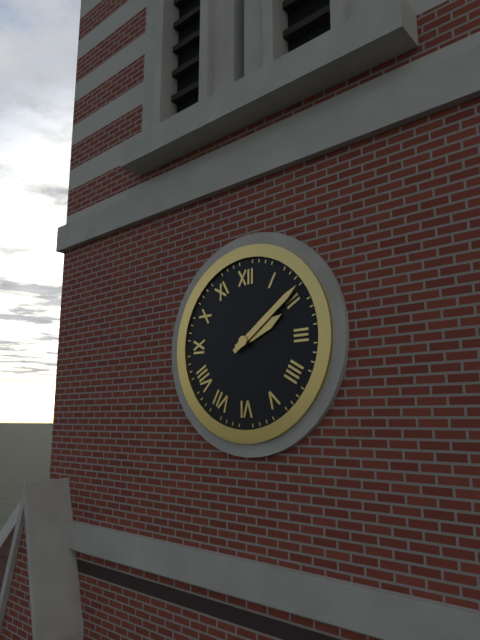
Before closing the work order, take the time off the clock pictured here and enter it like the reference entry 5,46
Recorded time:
2,09
